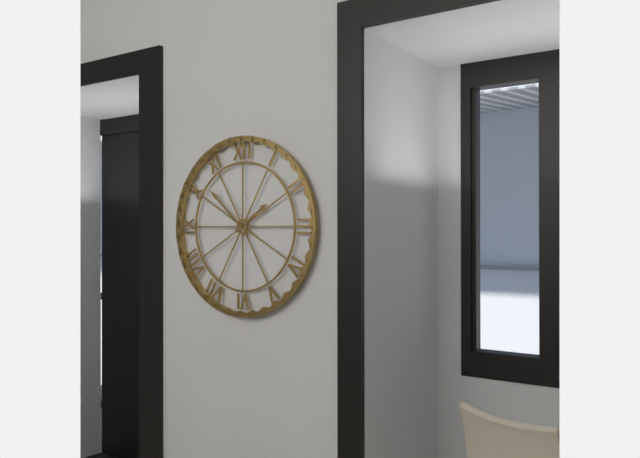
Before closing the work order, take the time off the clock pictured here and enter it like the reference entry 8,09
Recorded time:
1,52
